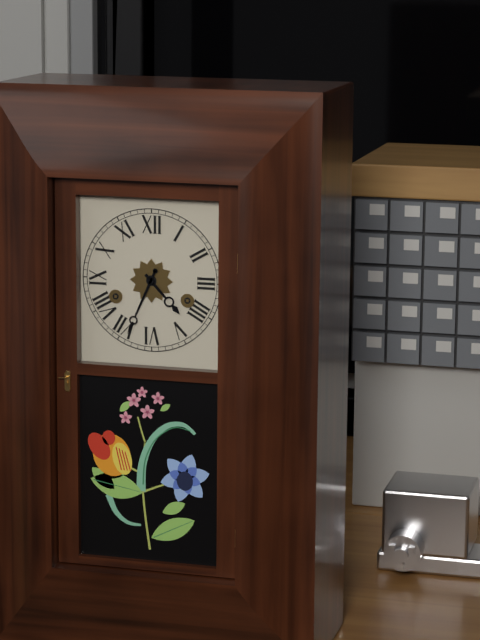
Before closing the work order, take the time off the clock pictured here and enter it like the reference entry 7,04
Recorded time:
4,34
